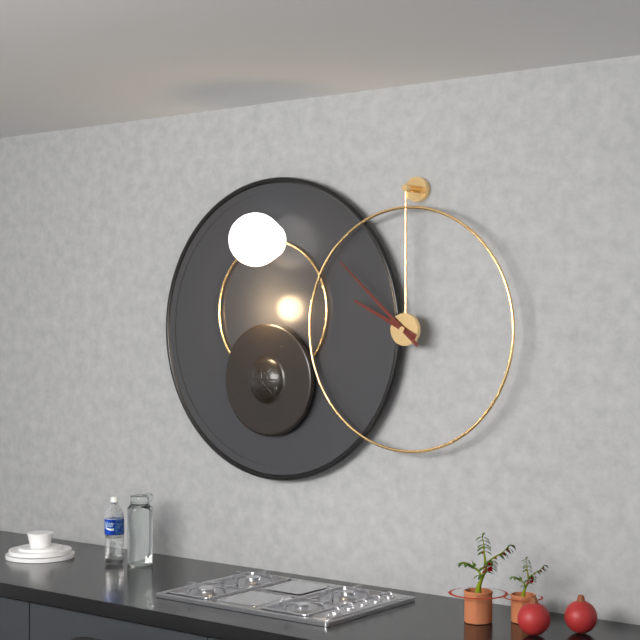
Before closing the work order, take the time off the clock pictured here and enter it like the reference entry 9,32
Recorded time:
9,52
